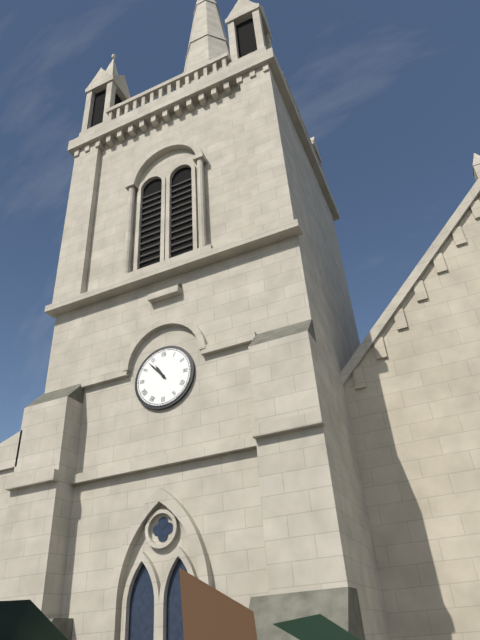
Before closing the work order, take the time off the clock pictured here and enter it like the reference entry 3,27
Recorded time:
10,53
